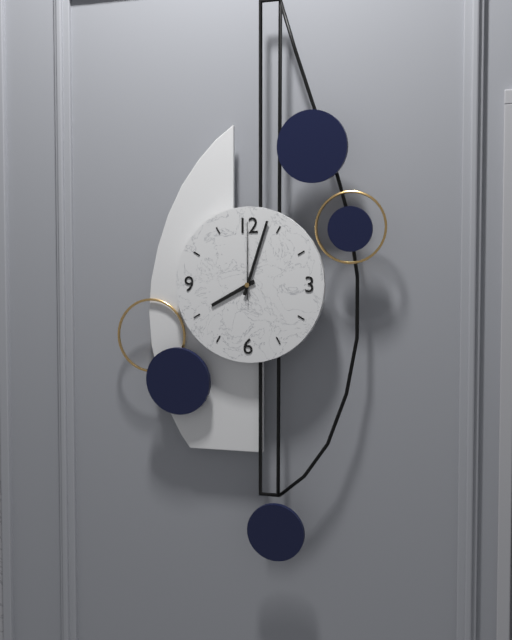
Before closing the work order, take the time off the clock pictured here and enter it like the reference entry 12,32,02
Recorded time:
8,03,00
